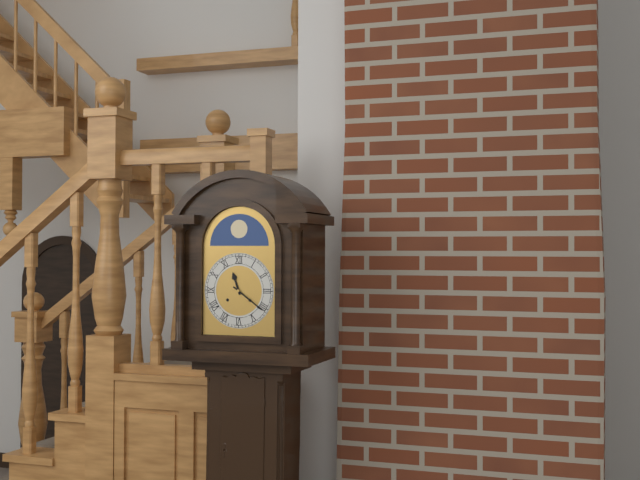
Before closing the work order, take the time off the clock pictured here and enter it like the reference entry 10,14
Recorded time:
11,21
